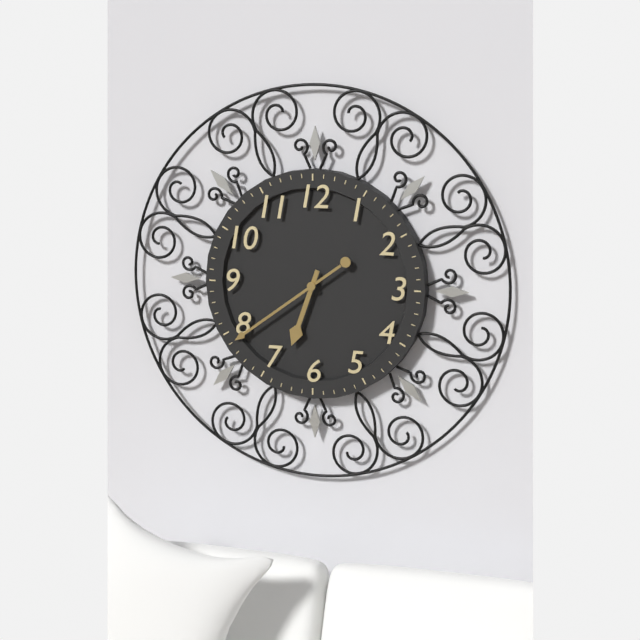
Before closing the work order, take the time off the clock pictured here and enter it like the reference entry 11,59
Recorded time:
6,39
